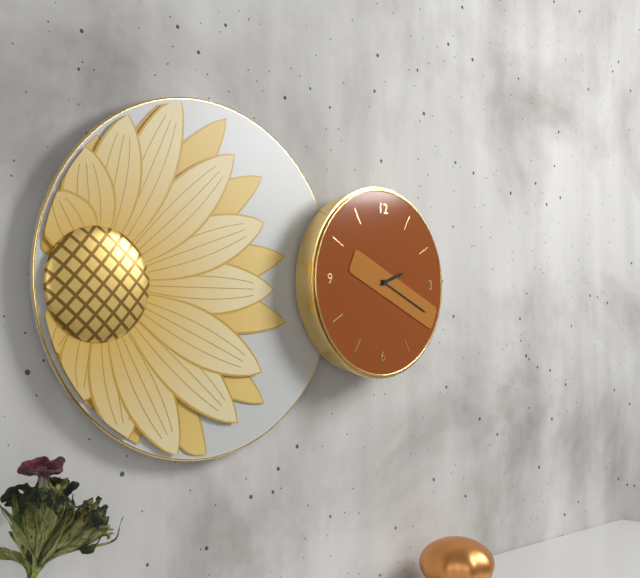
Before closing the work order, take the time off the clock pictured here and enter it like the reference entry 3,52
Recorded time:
2,19
